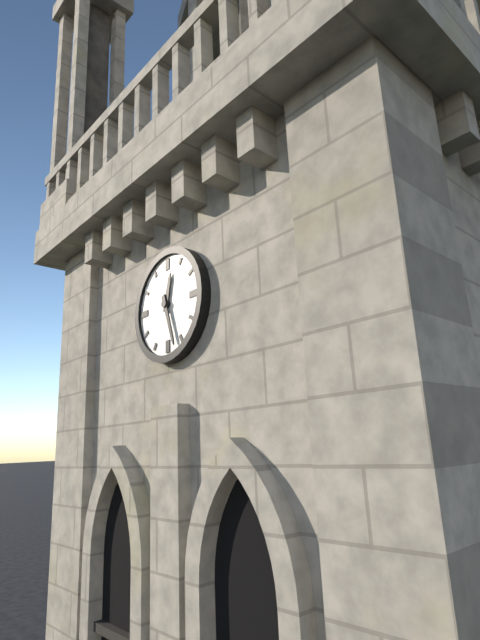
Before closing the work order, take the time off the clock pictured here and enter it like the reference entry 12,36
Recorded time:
12,27
